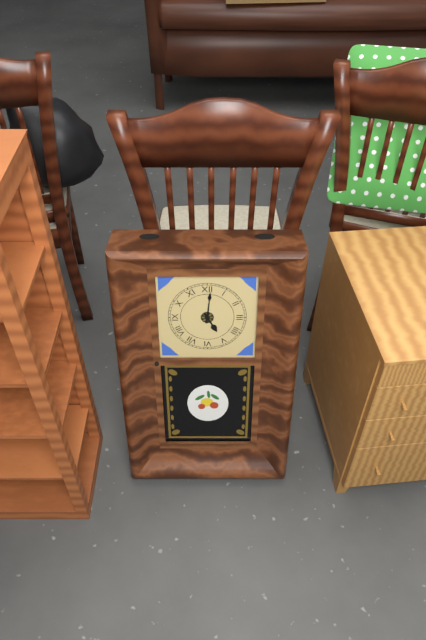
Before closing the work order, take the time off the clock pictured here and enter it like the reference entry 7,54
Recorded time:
5,01
